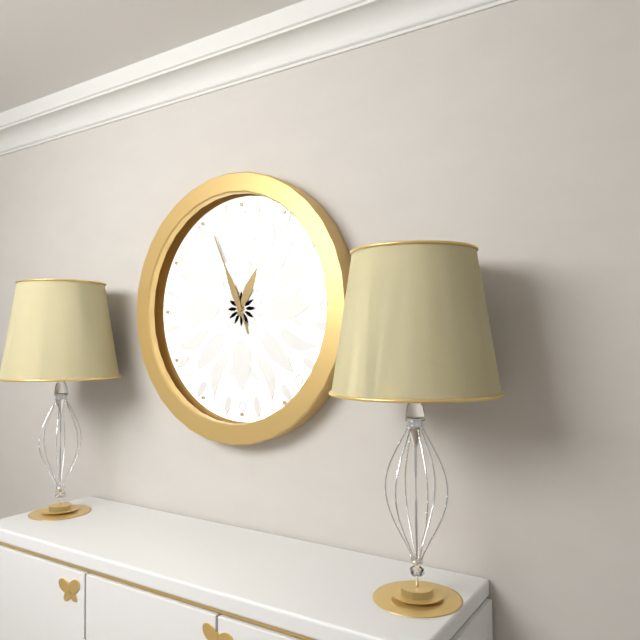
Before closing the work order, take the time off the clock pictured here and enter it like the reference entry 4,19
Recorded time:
12,56
